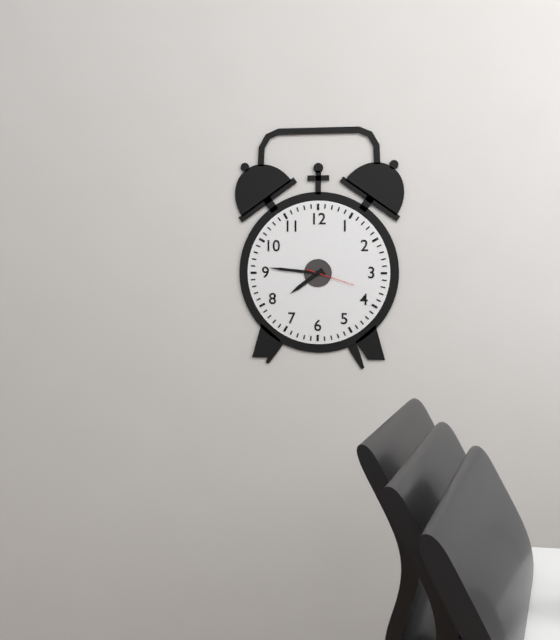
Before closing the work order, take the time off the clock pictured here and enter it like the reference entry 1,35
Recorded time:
7,46
